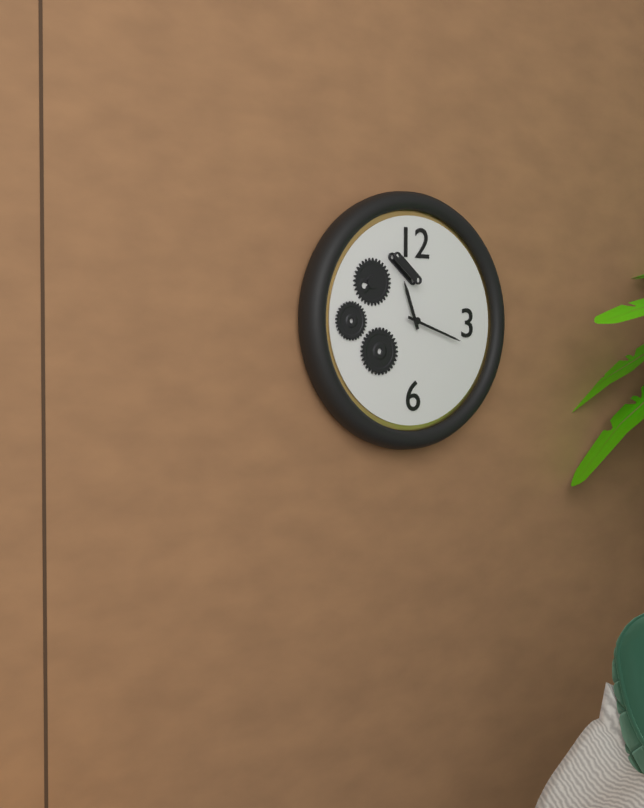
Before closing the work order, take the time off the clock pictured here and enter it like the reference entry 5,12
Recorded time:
11,18
